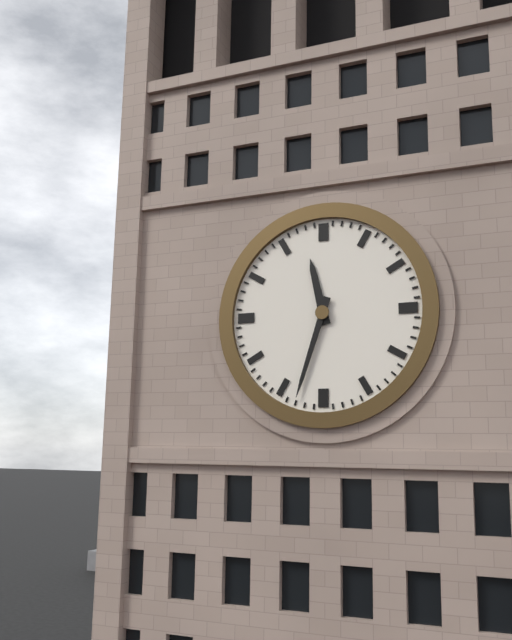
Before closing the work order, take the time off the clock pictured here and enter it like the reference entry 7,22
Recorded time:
11,33
